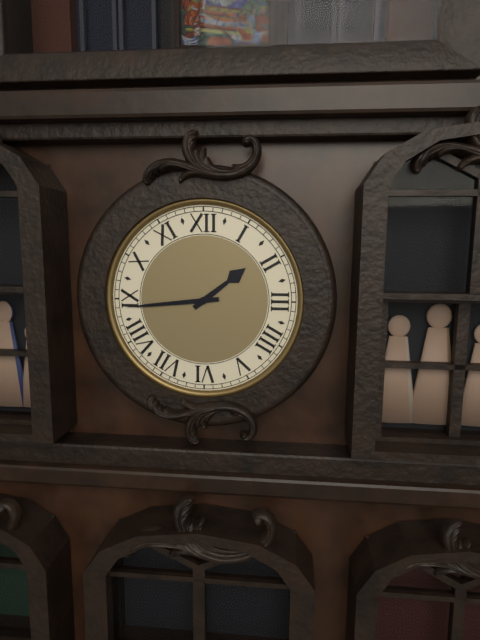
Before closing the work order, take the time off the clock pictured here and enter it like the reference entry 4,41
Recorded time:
1,44
